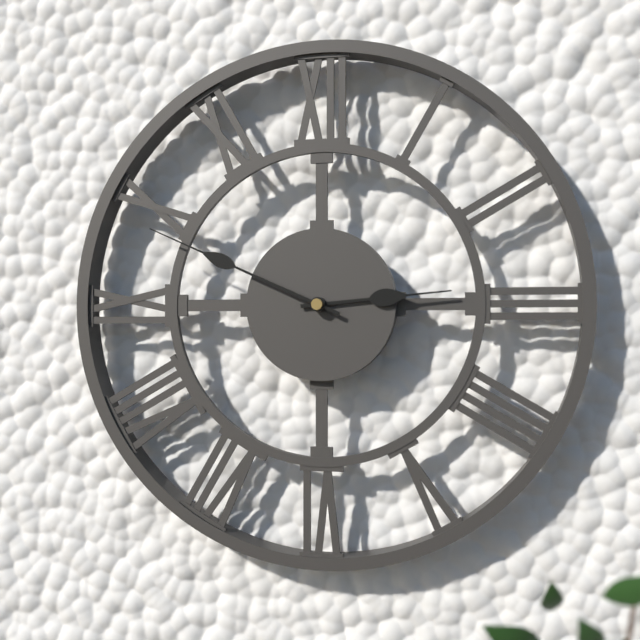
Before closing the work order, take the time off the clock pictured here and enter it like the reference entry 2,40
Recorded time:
2,49
